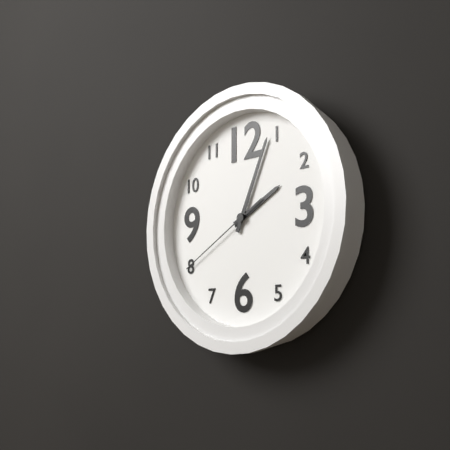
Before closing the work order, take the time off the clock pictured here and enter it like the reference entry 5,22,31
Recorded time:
2,04,40
